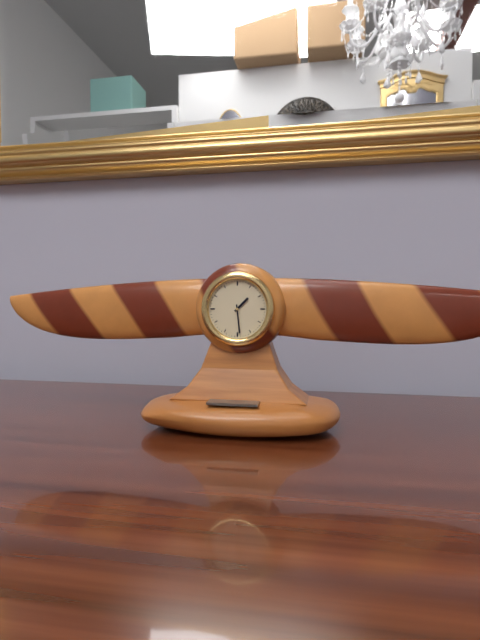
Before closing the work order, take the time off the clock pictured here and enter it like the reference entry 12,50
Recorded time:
1,29
